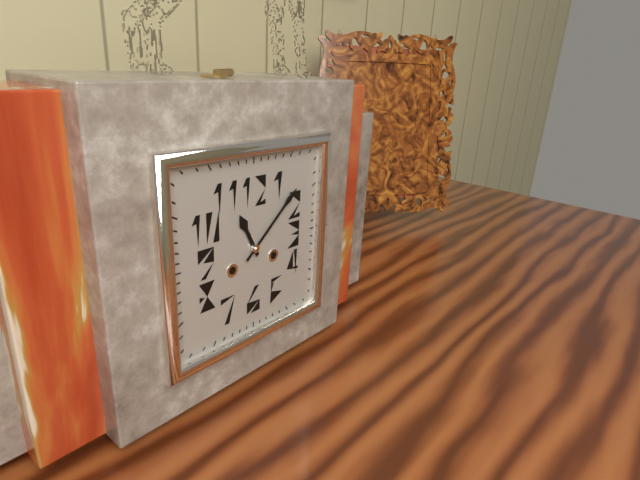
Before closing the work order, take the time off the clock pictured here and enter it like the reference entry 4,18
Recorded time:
11,08
